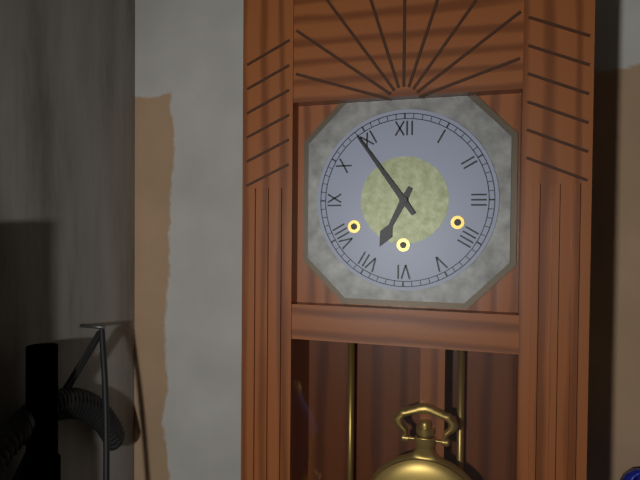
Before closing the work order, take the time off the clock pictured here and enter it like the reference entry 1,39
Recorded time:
6,54
